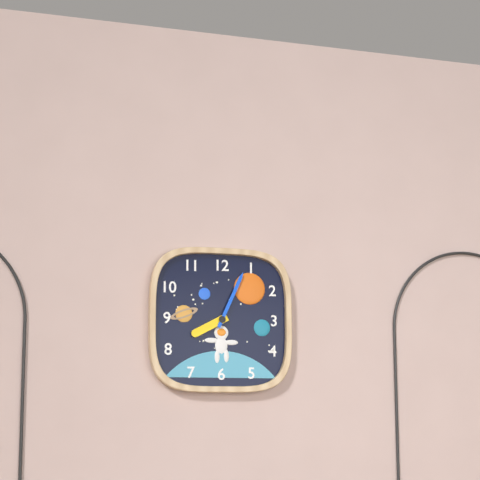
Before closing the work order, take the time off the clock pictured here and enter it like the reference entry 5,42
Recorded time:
8,04
